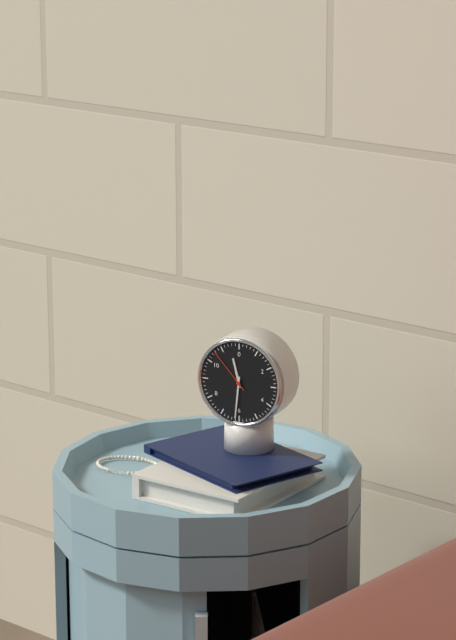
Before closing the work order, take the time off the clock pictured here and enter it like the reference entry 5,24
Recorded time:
11,31
